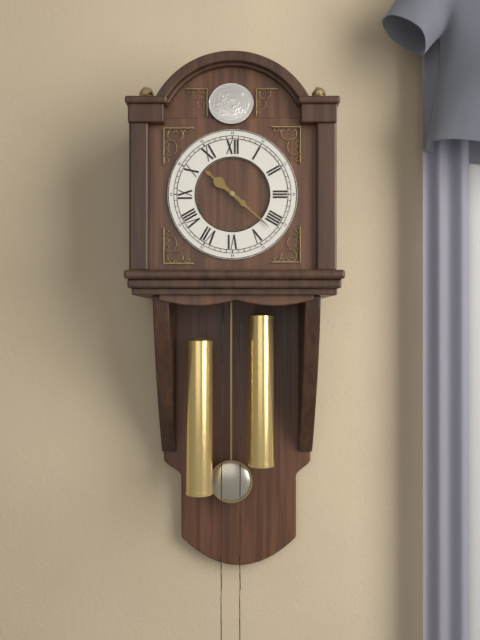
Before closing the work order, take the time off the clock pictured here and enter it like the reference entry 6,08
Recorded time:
10,22
